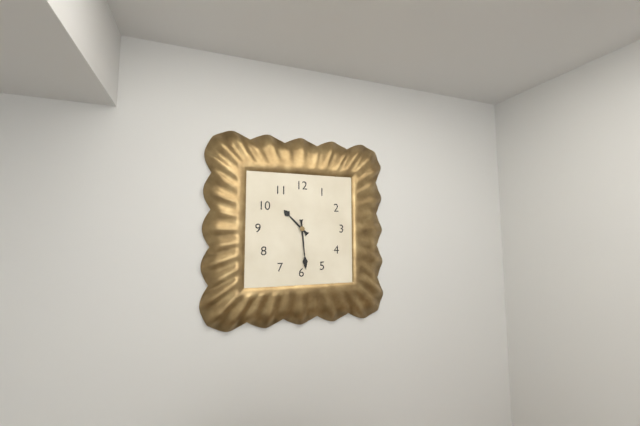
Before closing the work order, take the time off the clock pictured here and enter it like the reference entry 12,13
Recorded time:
10,29
